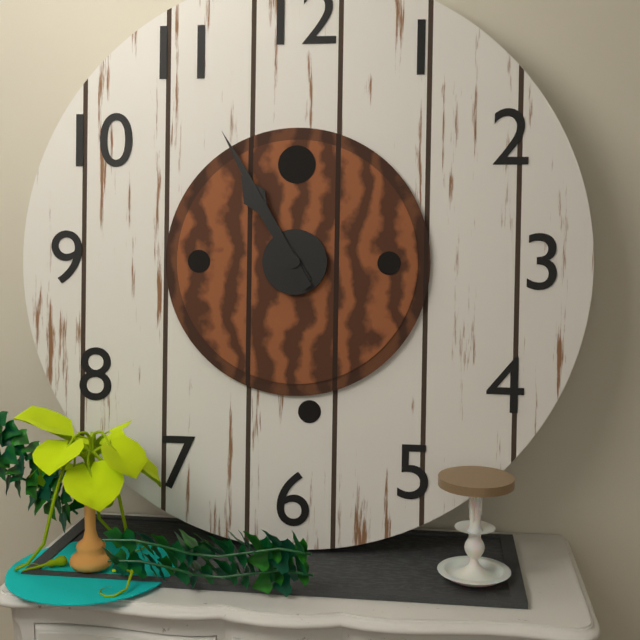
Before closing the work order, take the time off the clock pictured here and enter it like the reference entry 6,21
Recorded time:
10,55
